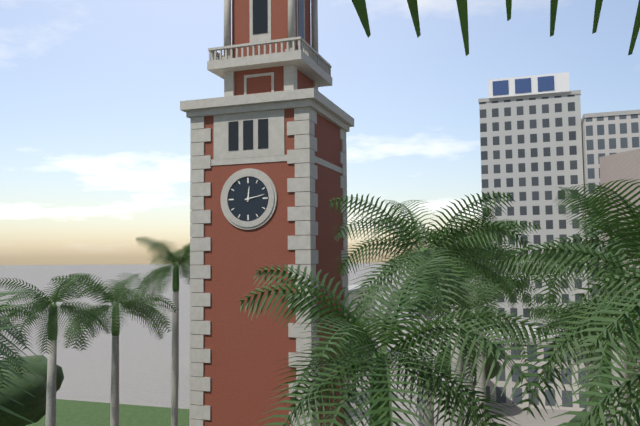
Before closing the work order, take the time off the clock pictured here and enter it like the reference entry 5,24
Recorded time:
12,13
